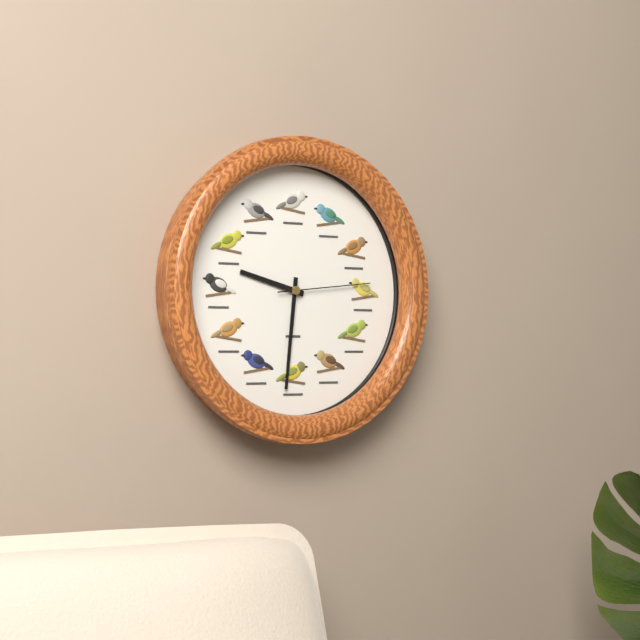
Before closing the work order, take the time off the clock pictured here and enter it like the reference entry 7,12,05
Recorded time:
9,31,14
